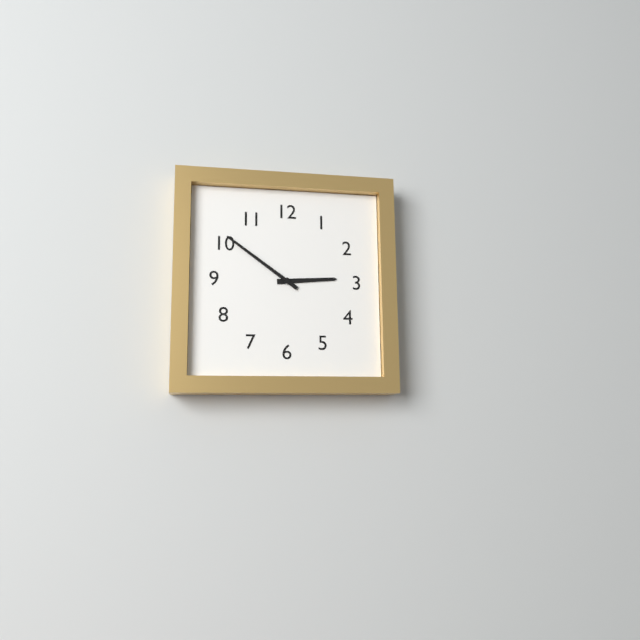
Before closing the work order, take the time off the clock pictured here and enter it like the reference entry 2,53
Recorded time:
2,51
